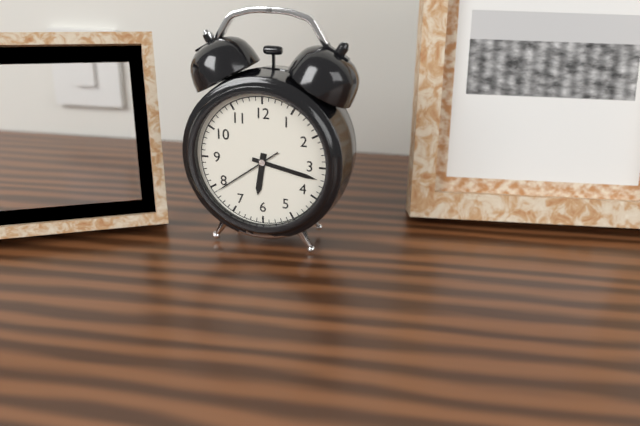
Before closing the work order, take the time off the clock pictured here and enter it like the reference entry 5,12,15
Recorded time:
6,17,39
